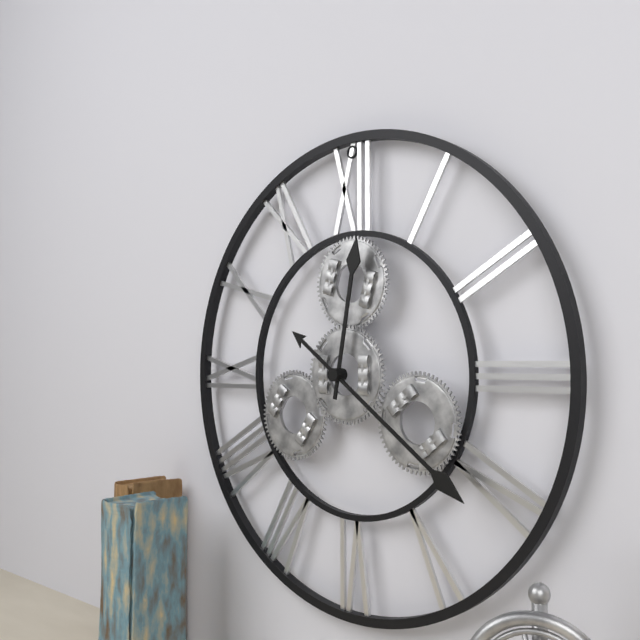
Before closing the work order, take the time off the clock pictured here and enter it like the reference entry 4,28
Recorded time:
12,21
